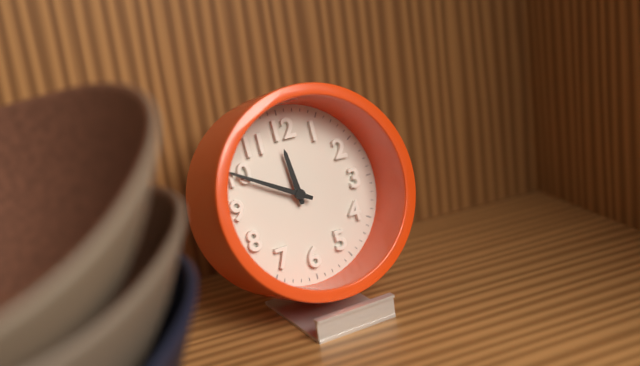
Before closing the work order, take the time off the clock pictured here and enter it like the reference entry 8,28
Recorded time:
11,50
